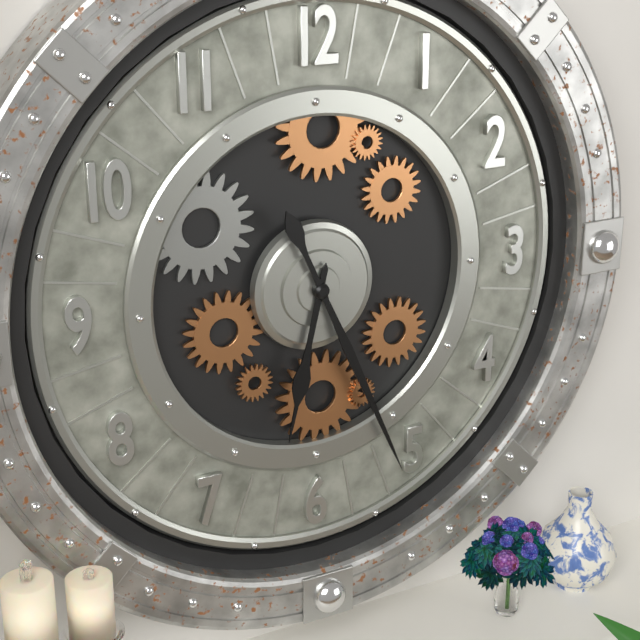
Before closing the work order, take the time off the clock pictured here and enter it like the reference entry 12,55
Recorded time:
6,26
